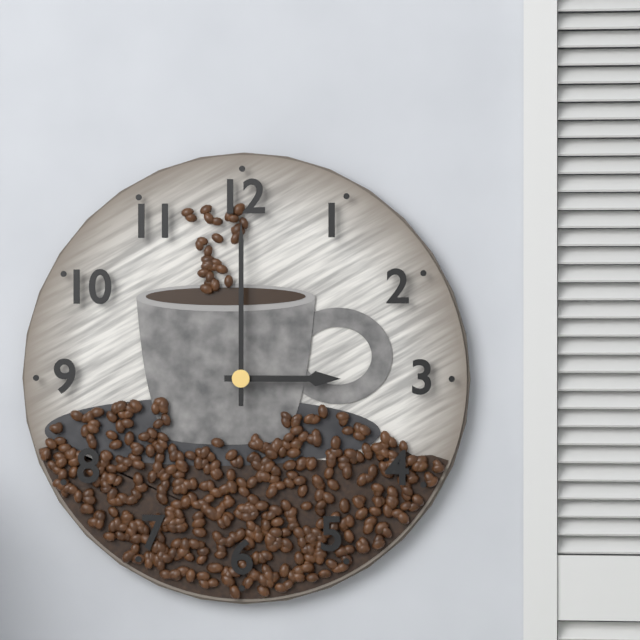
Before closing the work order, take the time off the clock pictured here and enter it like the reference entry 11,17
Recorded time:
3,00
